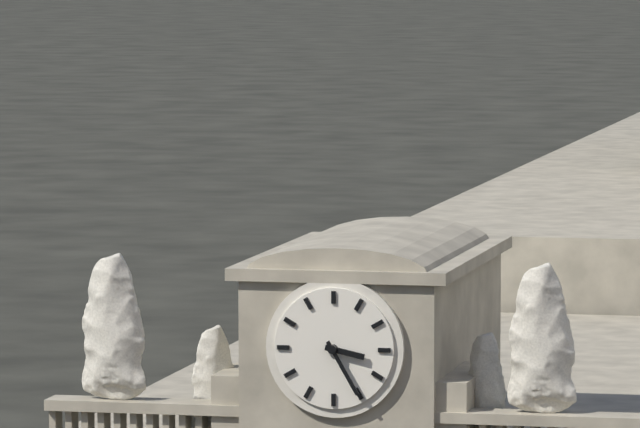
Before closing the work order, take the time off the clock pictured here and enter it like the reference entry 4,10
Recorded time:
3,25
